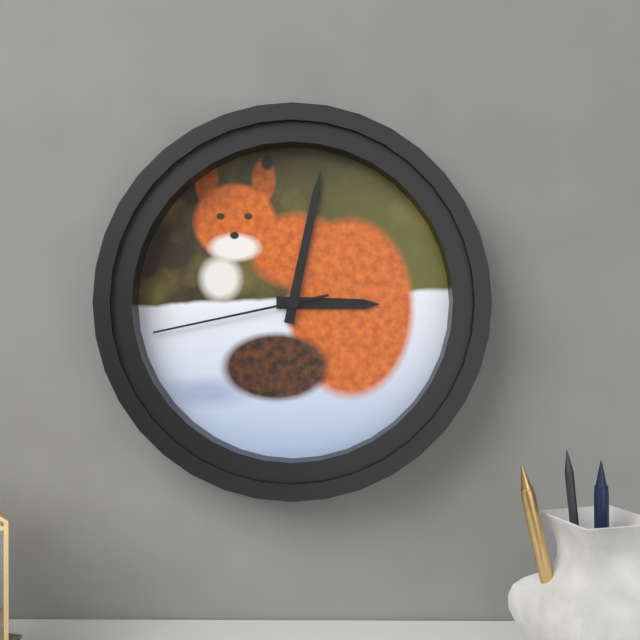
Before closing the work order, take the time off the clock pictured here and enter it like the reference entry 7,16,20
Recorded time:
3,02,43
